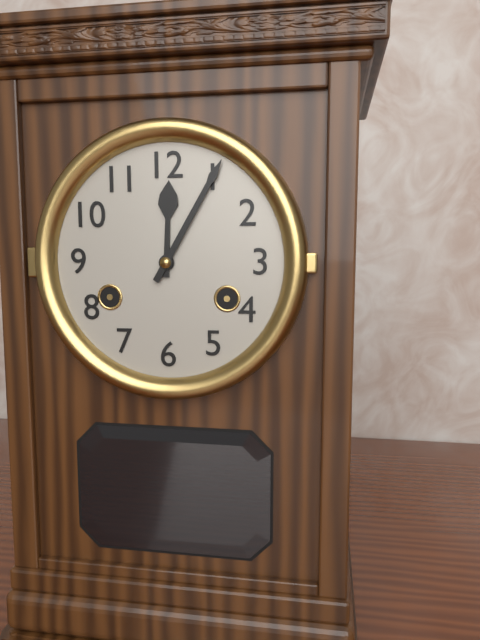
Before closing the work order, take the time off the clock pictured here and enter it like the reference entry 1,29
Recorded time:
12,05
